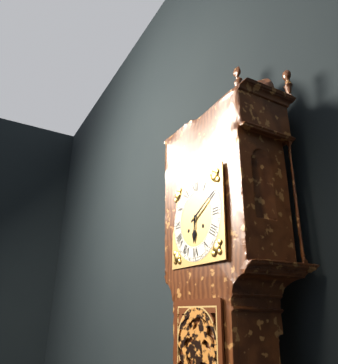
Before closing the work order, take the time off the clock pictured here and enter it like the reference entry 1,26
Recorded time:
6,10
